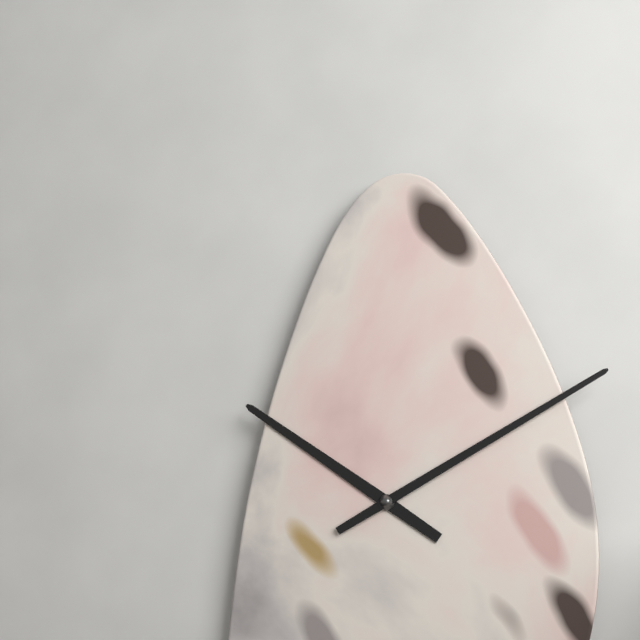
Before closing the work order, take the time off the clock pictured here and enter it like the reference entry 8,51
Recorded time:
10,10
